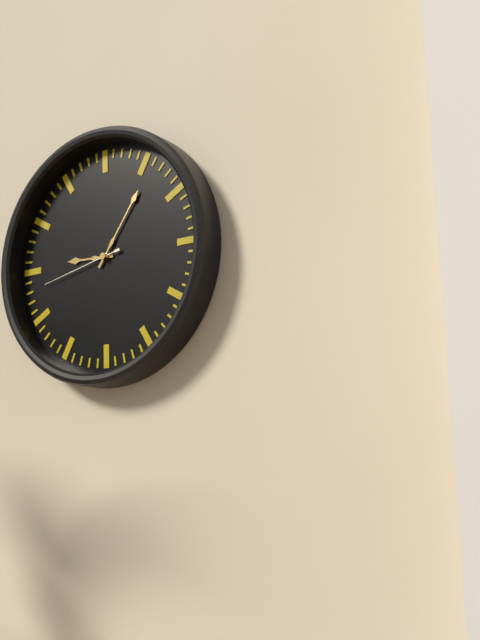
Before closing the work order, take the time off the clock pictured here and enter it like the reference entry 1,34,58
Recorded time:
9,06,43
